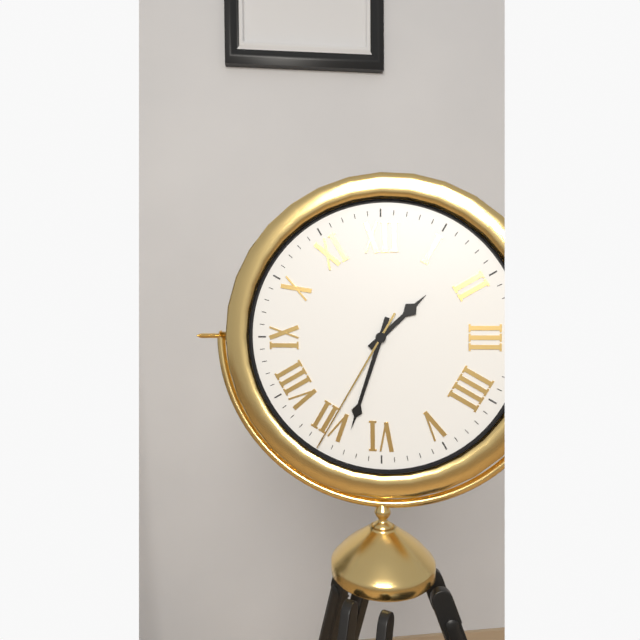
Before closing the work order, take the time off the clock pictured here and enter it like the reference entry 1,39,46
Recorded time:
1,33,35
